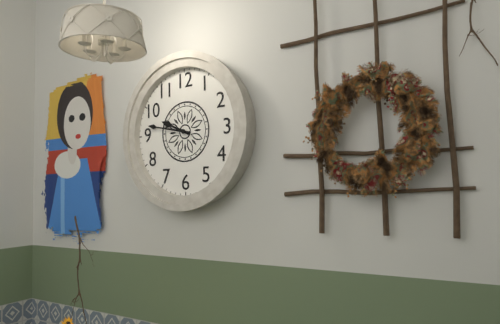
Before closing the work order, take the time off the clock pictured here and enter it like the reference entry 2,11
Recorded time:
9,47
